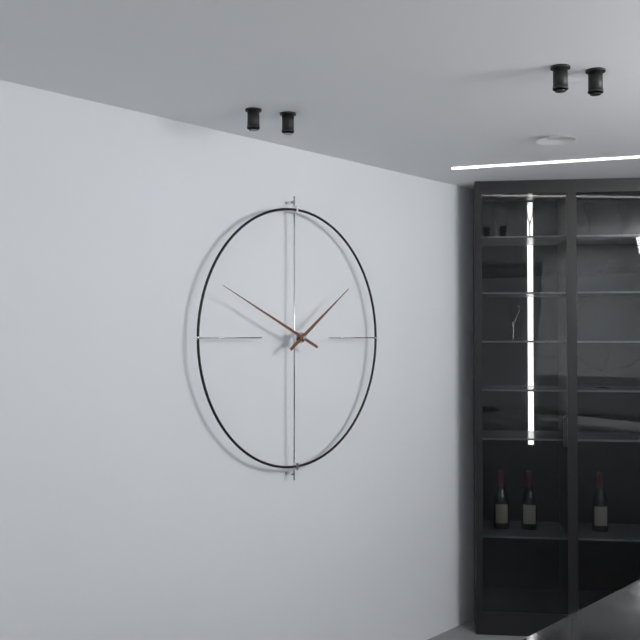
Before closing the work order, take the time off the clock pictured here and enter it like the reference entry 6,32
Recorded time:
1,49
